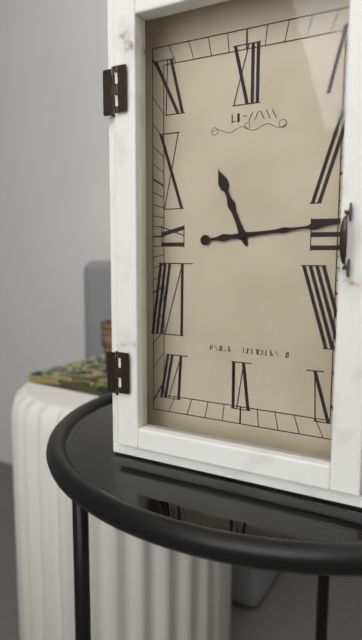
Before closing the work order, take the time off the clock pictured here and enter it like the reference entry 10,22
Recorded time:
11,14
